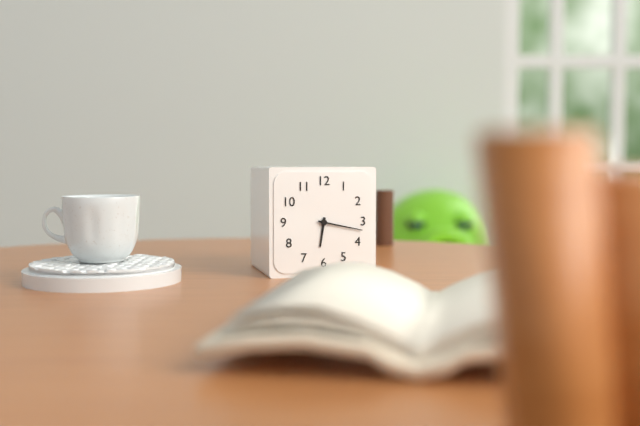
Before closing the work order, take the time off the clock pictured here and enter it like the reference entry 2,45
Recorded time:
6,17
